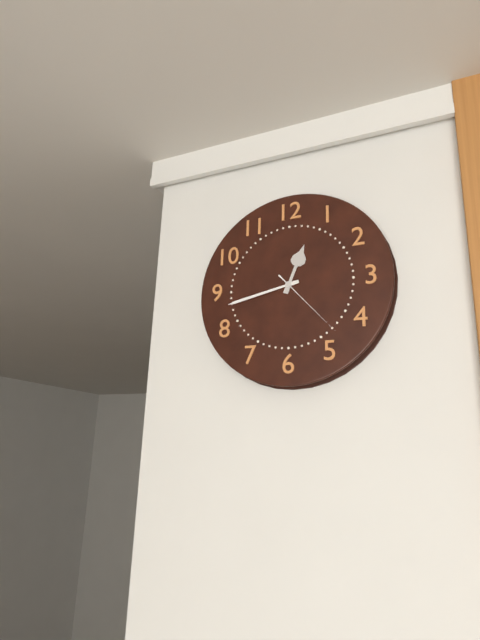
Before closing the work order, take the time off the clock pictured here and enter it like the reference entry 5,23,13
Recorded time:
12,43,23
